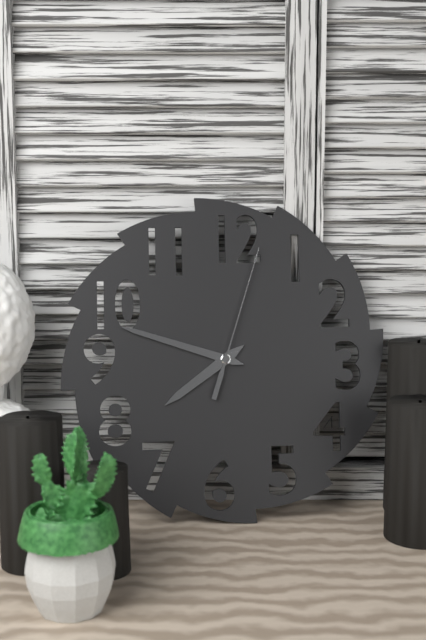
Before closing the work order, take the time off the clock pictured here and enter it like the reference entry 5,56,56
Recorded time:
7,48,03
